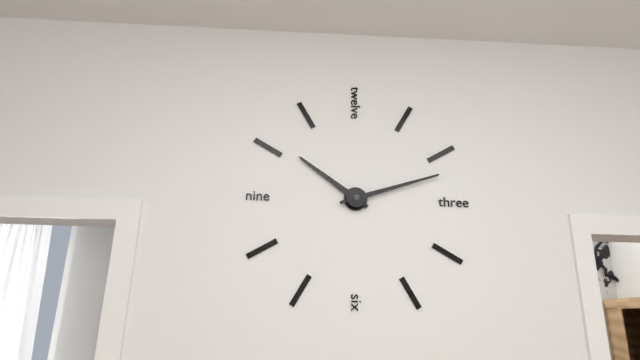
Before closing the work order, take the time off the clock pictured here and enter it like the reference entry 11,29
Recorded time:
10,12
